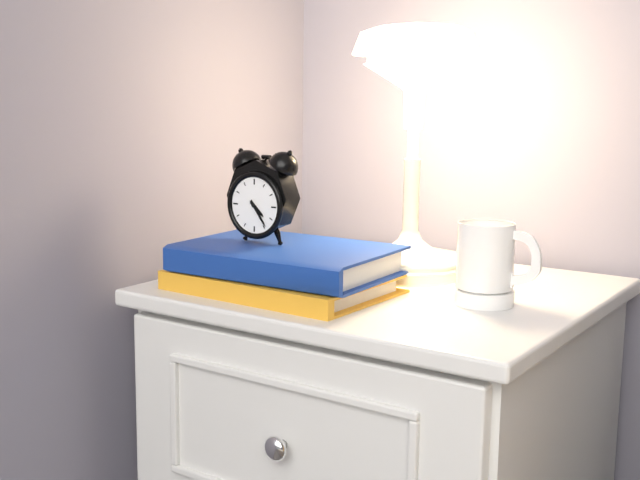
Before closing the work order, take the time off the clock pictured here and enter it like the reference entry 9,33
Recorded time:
4,24
